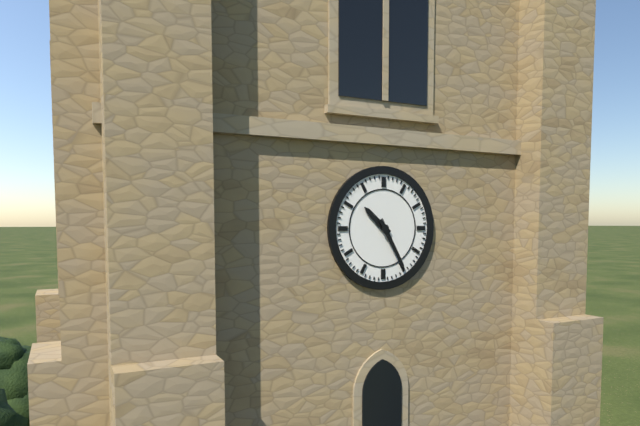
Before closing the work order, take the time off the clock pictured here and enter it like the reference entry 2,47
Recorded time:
10,25
